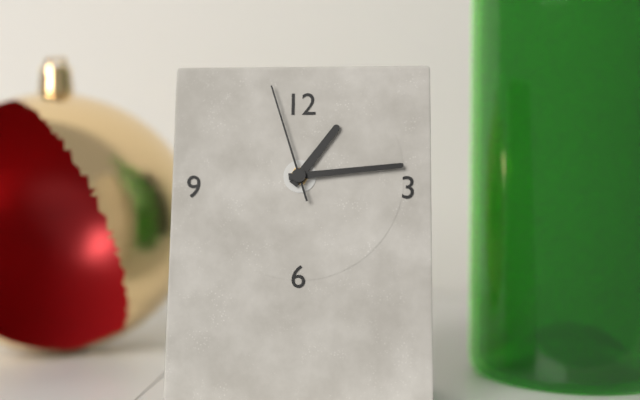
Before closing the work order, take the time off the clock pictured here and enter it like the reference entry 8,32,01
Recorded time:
1,14,57
